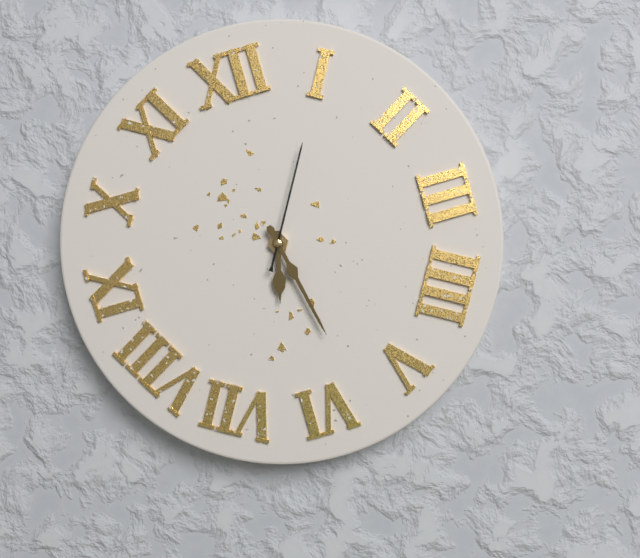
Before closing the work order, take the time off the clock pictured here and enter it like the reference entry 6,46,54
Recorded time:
6,28,05
